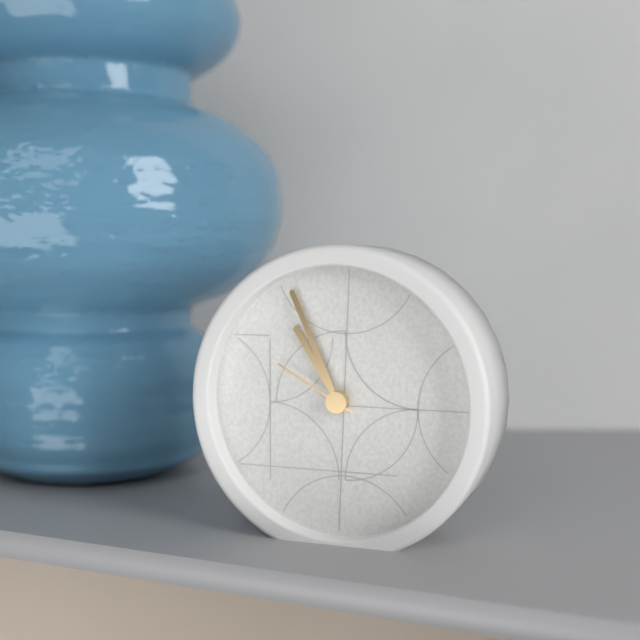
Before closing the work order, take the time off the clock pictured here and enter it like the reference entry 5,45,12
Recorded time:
10,56,50
